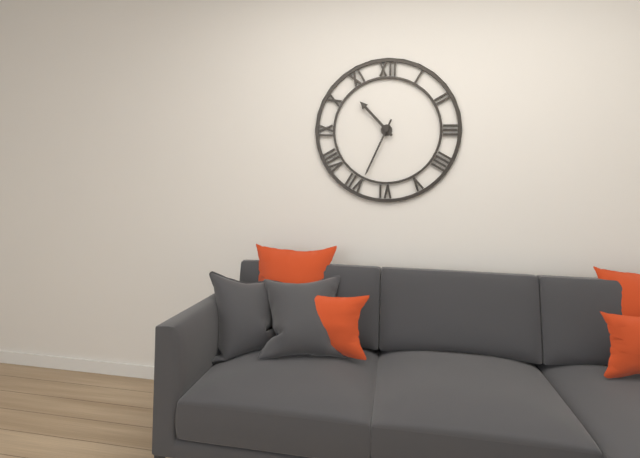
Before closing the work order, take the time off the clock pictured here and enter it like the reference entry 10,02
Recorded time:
10,34
